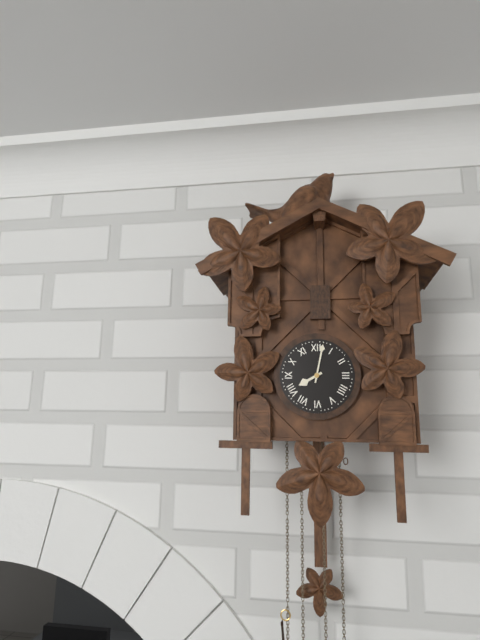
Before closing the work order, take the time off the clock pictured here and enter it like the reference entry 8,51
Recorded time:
8,02
